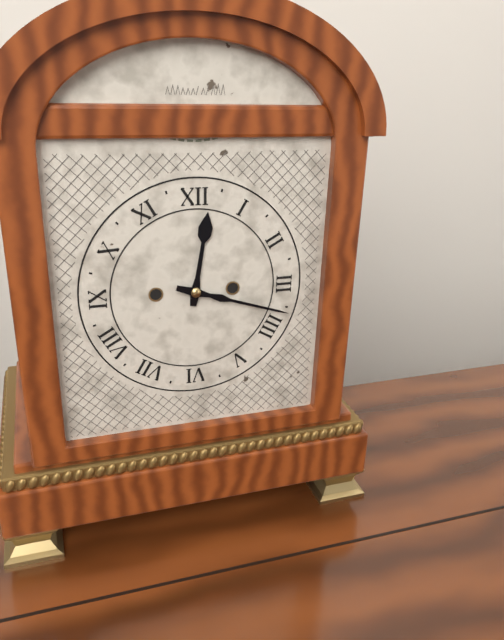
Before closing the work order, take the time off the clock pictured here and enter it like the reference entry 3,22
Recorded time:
12,18
